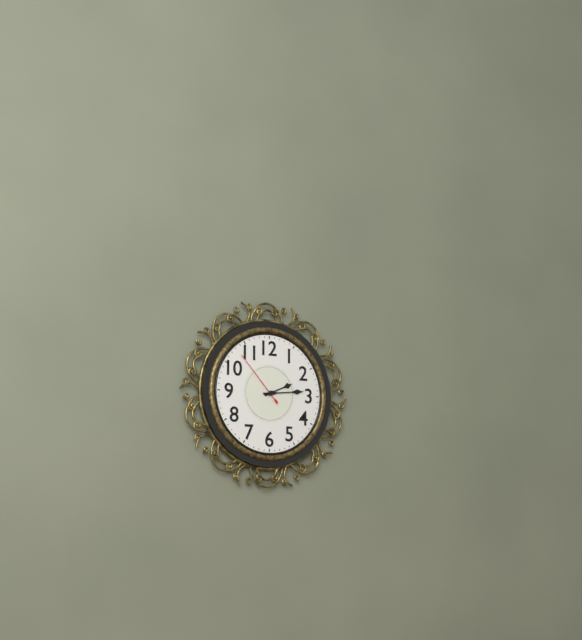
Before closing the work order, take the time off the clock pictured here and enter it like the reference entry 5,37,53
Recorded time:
2,14,53
